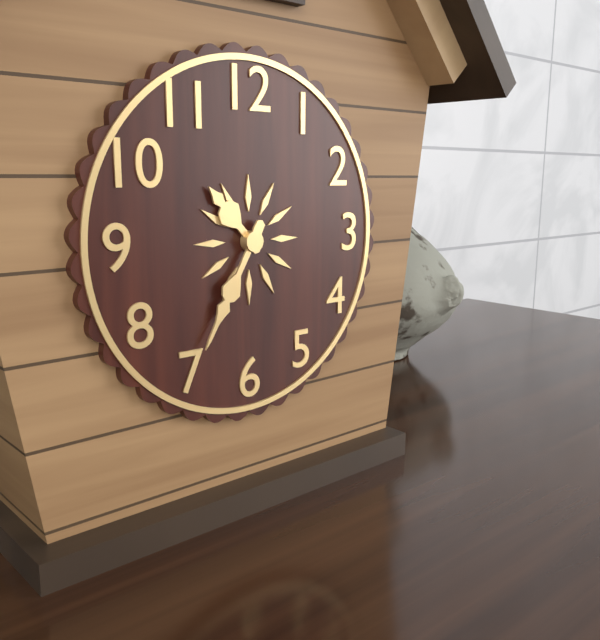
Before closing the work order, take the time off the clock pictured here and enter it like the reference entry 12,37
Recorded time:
10,35
